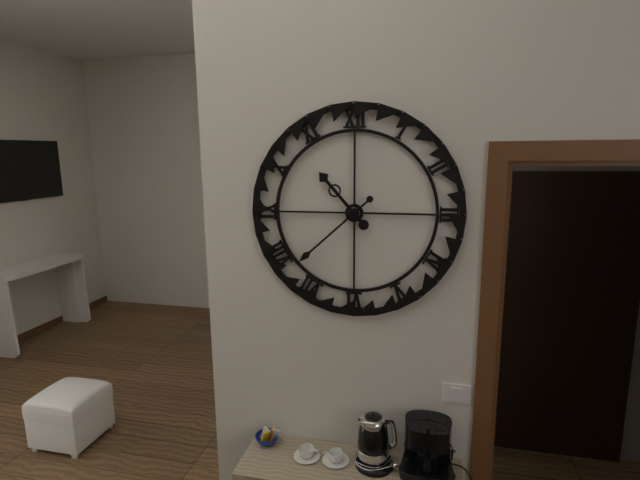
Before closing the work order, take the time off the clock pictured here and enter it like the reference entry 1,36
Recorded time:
10,38
